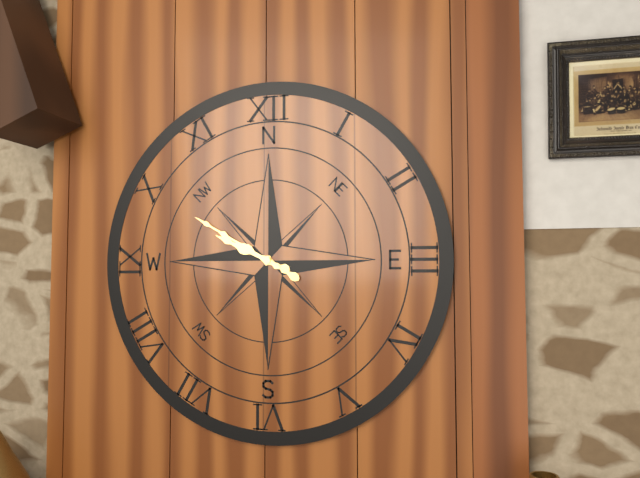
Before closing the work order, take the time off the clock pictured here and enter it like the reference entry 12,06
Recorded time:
9,50
